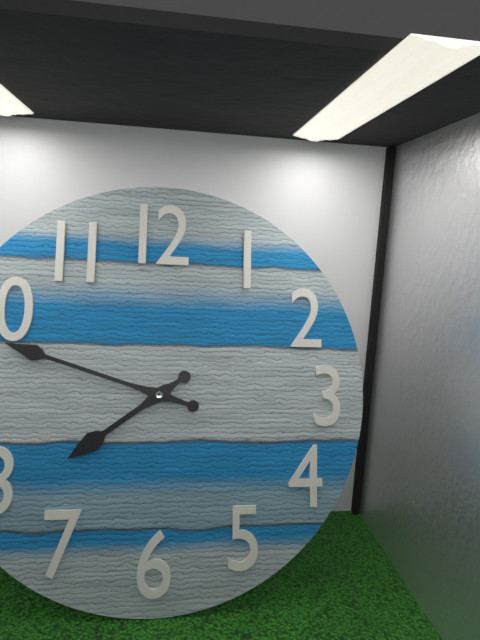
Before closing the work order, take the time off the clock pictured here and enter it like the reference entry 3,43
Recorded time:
7,48
